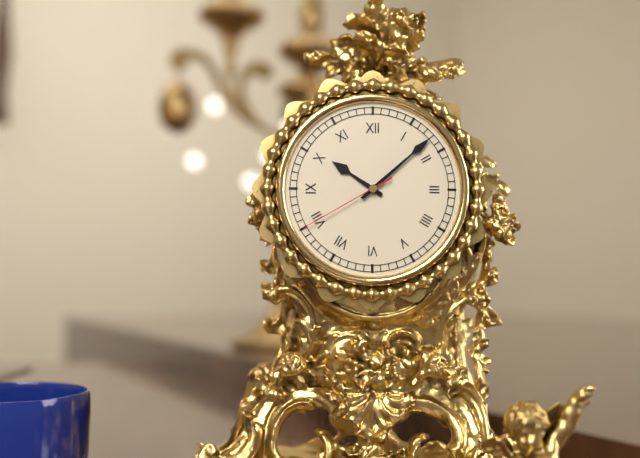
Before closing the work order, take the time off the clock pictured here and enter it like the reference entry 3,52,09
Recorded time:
10,08,40
